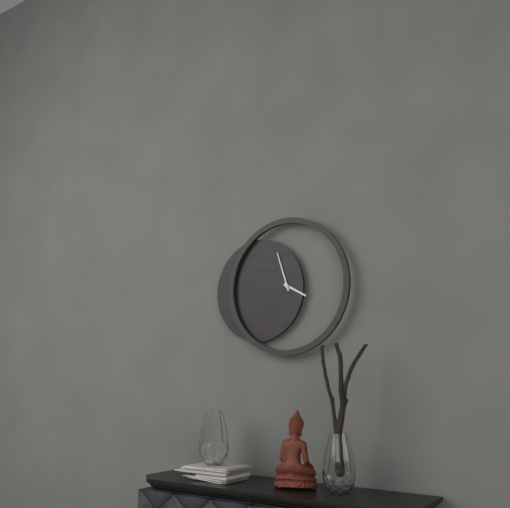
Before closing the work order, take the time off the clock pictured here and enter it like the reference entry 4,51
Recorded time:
3,57
